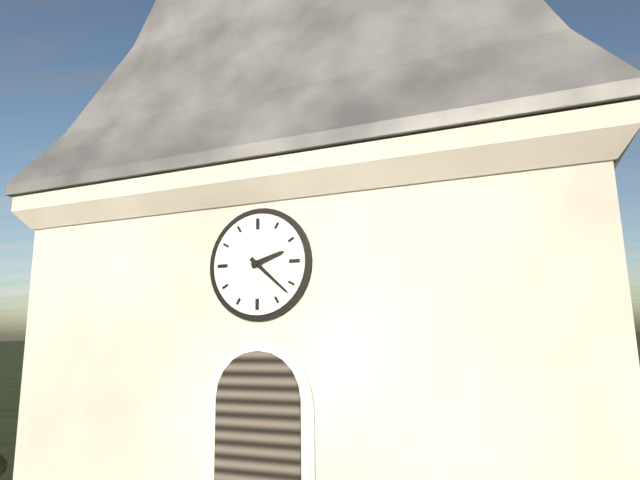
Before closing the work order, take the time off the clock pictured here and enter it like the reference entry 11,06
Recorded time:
2,22
